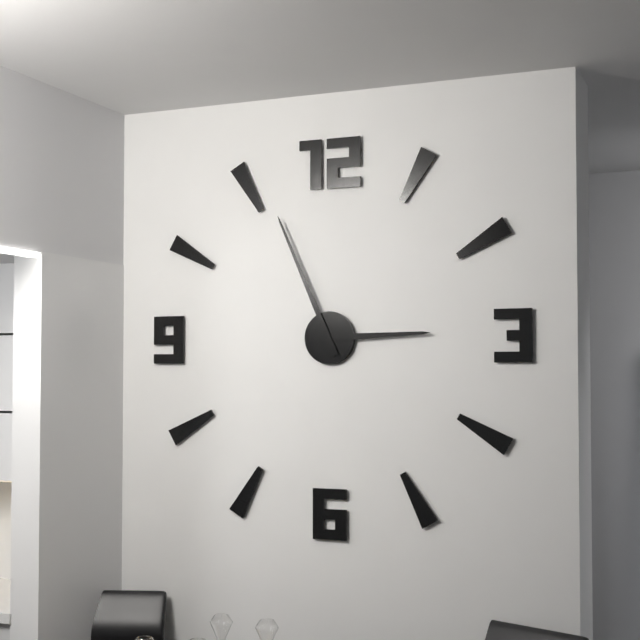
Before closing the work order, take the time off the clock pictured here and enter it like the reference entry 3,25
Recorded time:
2,56
